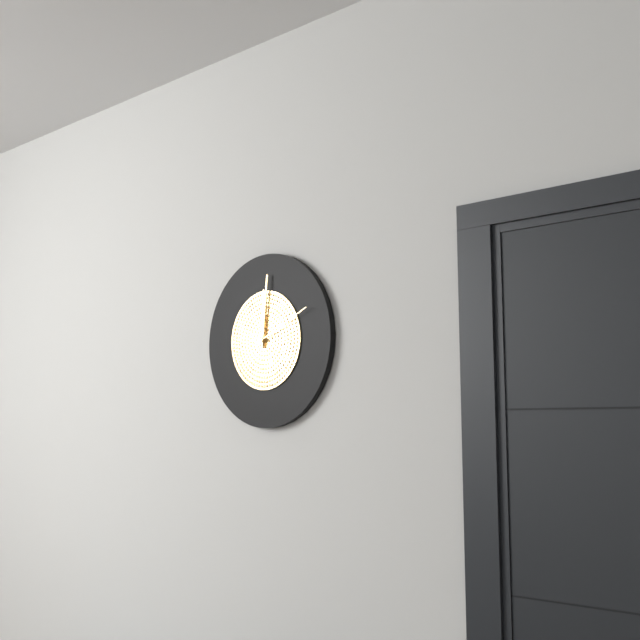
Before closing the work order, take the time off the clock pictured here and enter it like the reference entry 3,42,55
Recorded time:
12,01,11
